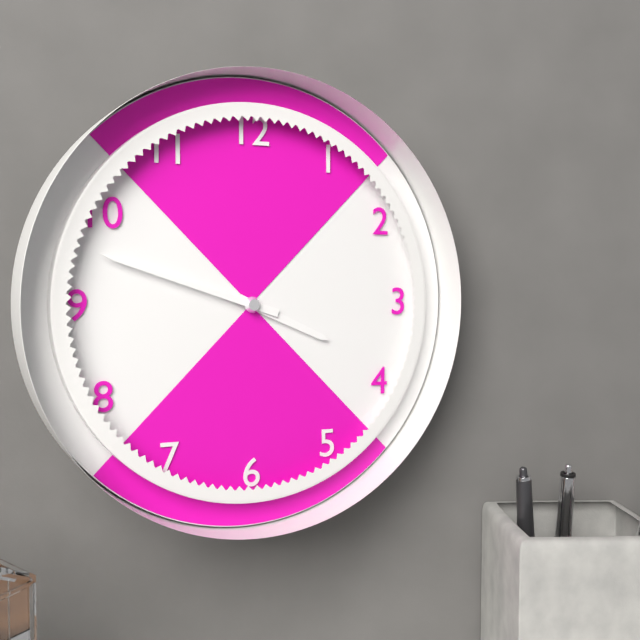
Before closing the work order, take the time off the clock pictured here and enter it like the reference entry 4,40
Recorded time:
3,48
